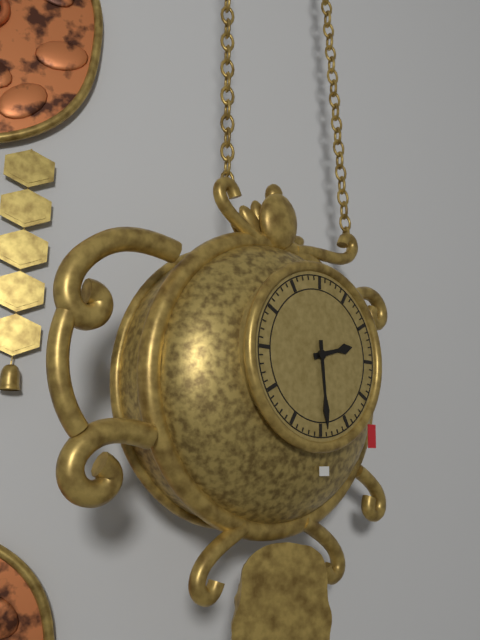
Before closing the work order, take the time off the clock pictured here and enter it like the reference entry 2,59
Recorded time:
2,29
